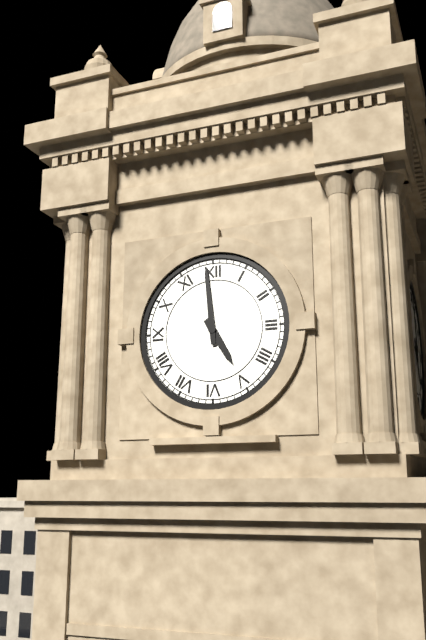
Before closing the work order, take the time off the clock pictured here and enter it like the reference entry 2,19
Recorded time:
4,59
